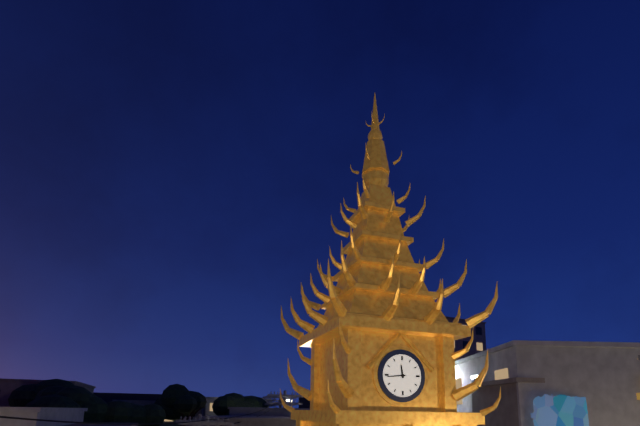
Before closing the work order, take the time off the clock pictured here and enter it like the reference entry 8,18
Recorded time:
11,44
